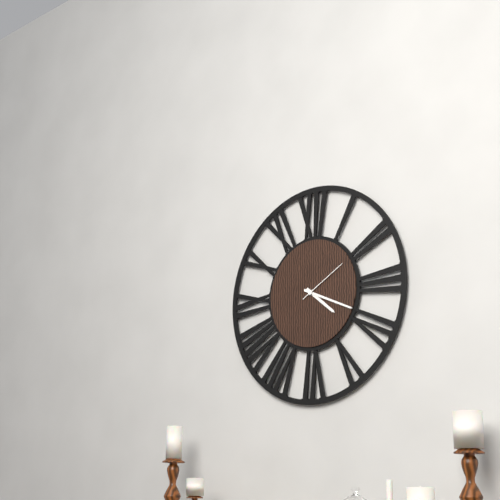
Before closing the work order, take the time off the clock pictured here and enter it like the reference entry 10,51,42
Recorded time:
4,19,10
